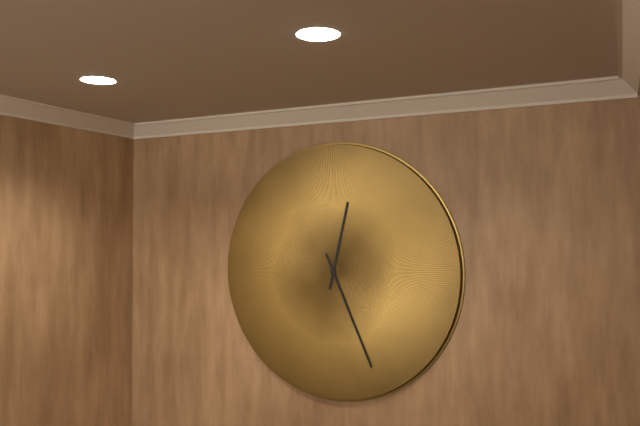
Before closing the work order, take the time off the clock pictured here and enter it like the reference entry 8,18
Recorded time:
12,26
